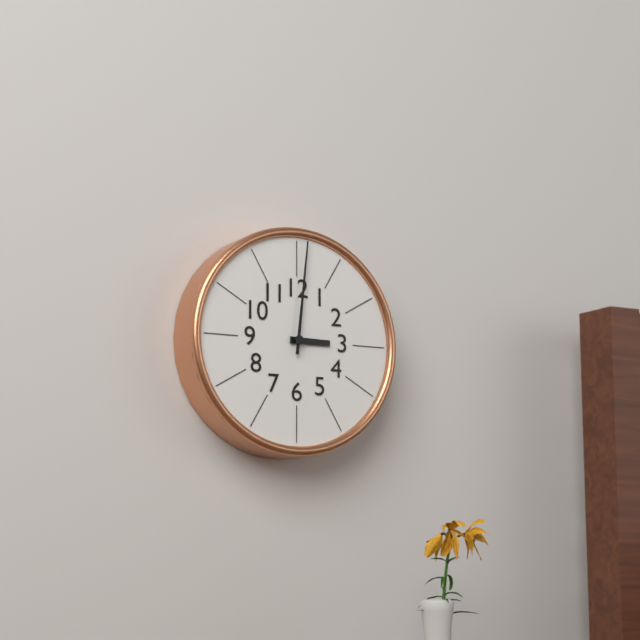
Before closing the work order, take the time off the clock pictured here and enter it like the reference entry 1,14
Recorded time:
3,01
